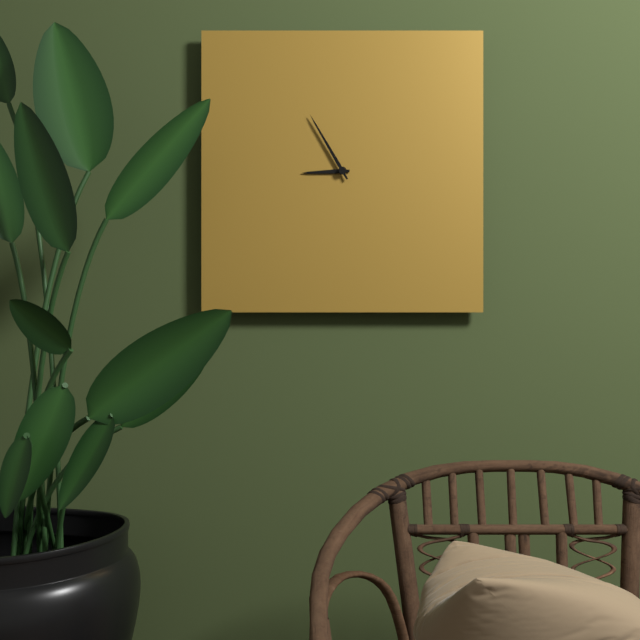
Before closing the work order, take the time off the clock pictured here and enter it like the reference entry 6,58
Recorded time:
8,55
